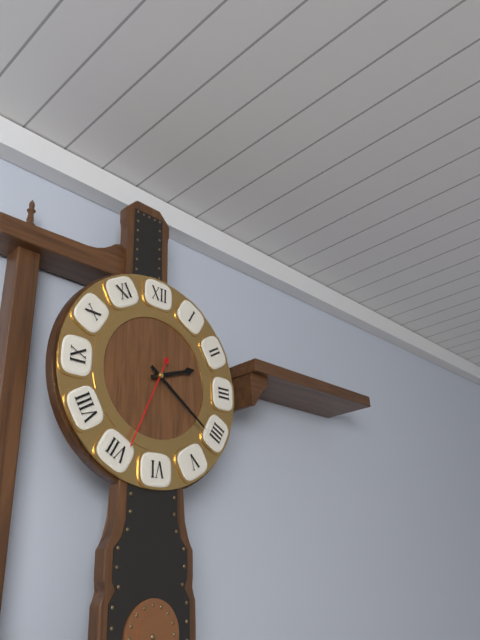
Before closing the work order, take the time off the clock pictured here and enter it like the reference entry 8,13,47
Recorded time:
2,21,34
